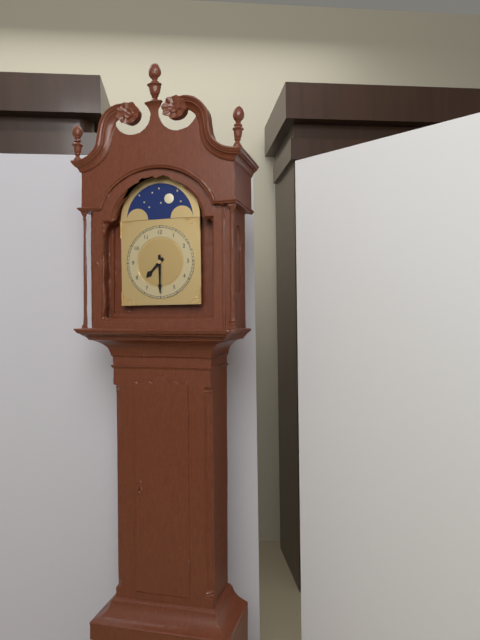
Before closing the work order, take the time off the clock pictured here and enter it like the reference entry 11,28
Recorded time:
7,30
